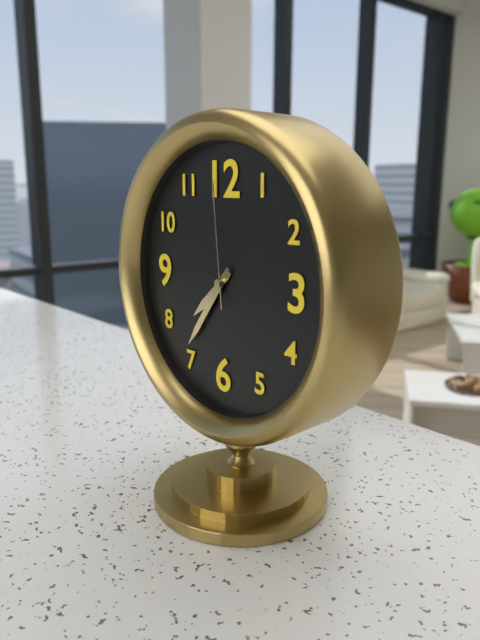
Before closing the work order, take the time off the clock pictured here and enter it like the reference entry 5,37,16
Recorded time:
7,36,59
